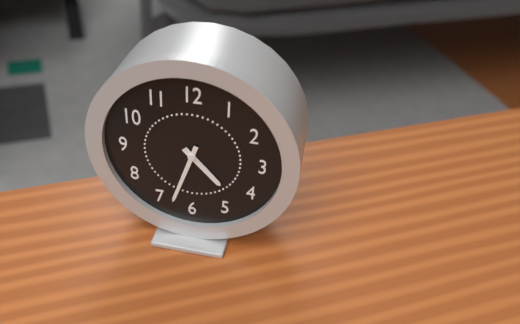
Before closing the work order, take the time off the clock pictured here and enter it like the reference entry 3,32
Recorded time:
4,33
